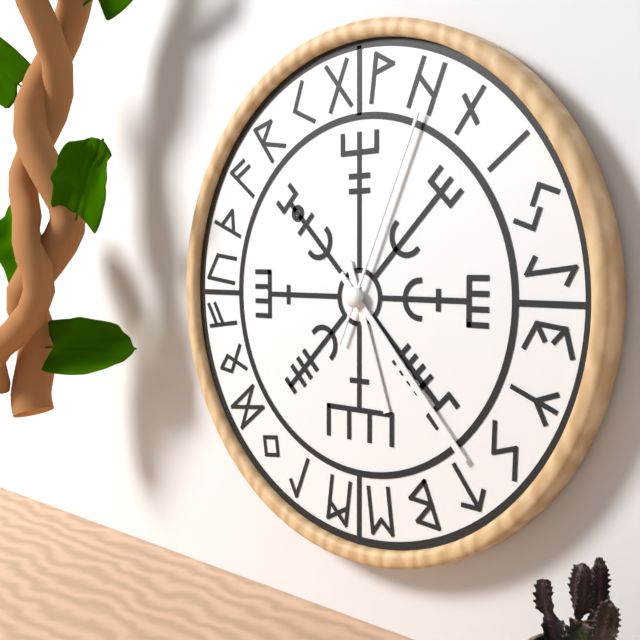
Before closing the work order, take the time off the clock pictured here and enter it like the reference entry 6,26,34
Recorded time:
5,23,04
